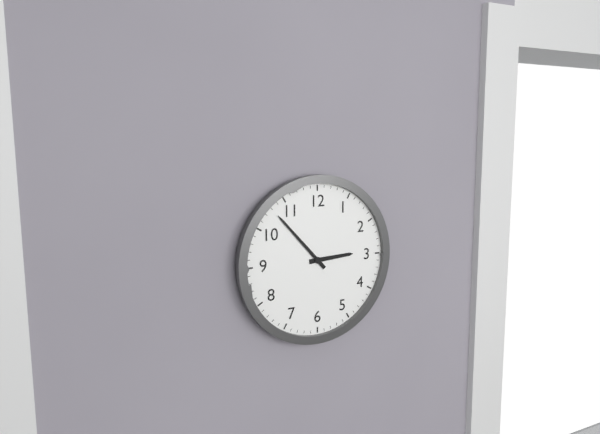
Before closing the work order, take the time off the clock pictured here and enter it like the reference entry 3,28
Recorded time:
2,53
